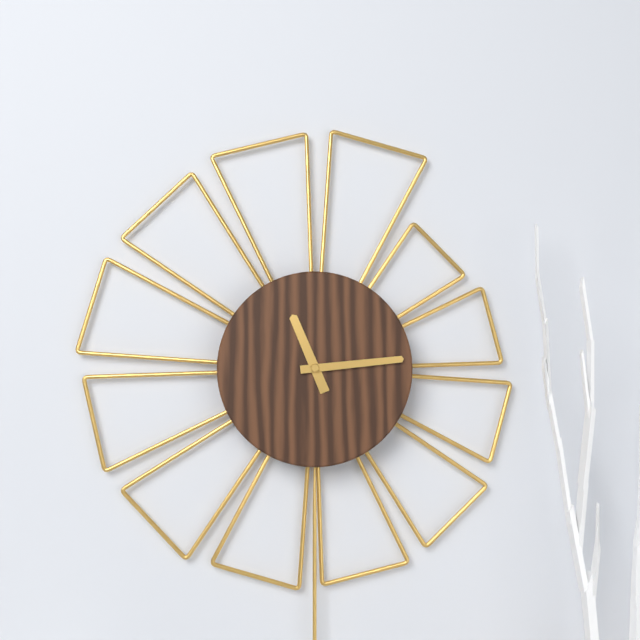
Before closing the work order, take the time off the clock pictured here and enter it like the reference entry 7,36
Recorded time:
11,14
